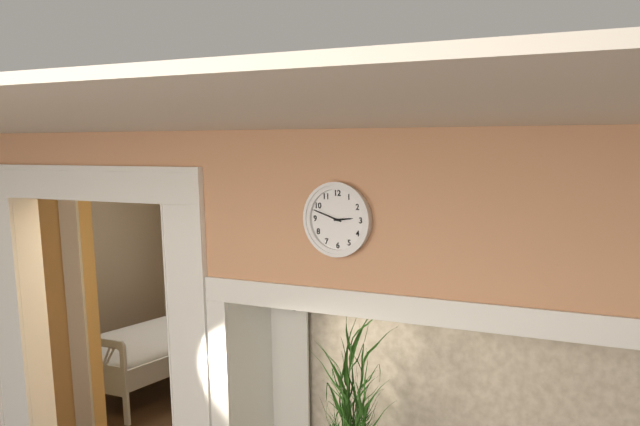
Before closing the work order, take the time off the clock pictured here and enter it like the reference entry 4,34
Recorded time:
2,48
